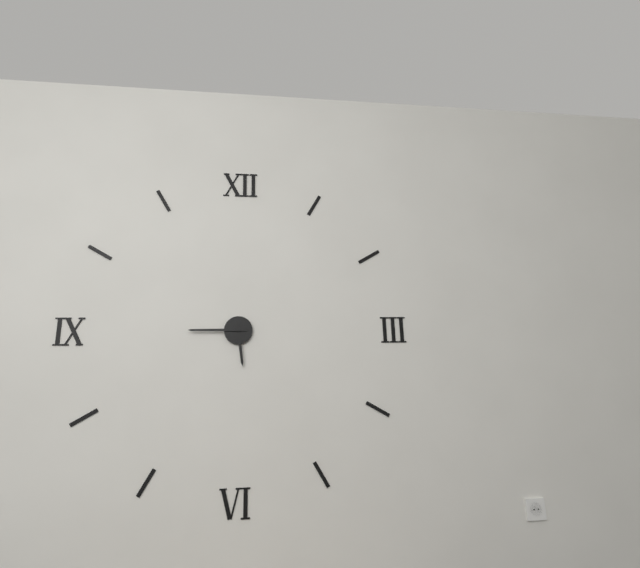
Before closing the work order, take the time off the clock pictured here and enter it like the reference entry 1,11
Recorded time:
5,45
